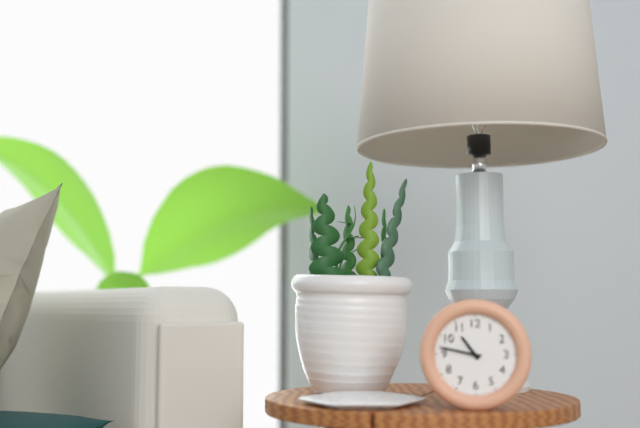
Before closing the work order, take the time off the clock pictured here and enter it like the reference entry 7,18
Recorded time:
10,47
